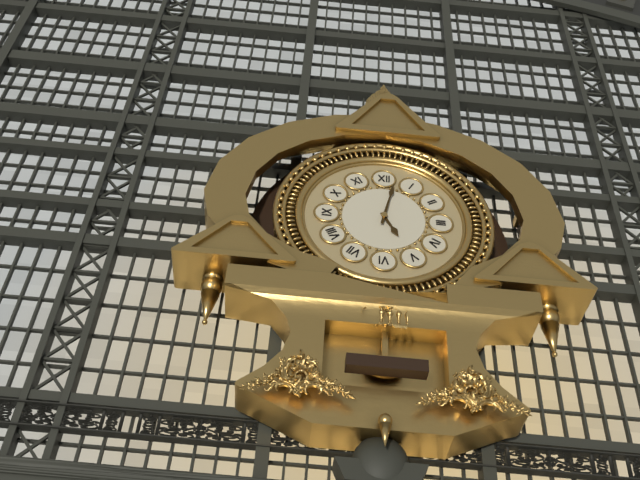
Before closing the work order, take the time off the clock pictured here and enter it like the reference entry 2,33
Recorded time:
5,02
